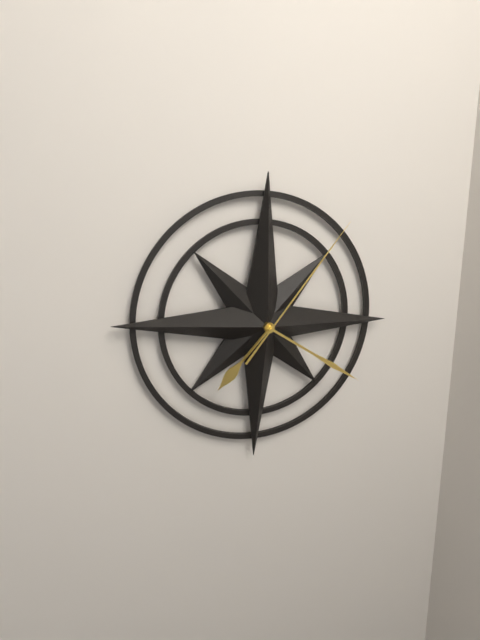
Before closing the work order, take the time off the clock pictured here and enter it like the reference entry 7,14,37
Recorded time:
7,20,06
